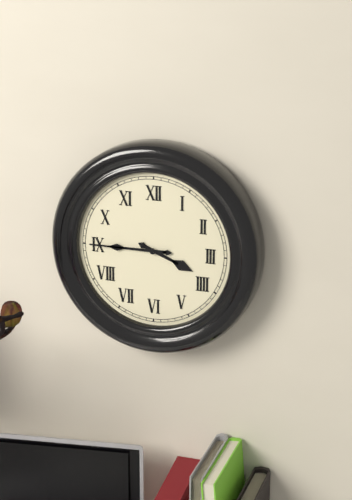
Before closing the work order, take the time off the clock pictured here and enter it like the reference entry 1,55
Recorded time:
3,45
